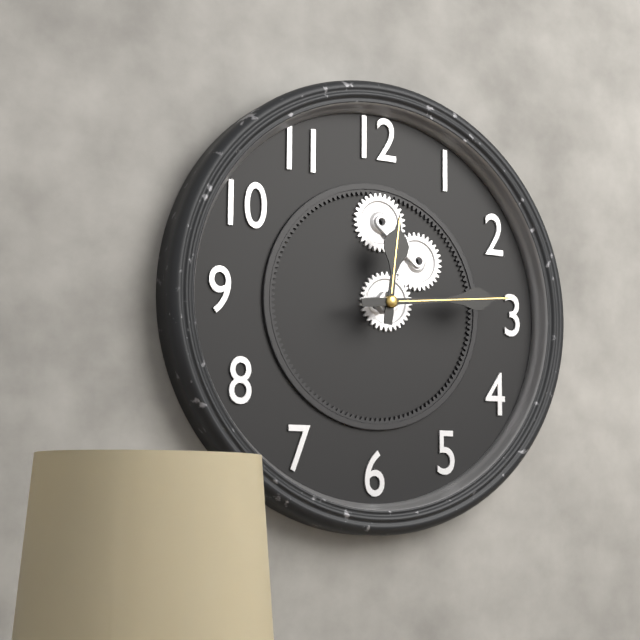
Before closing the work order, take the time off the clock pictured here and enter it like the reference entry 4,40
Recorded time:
12,14
